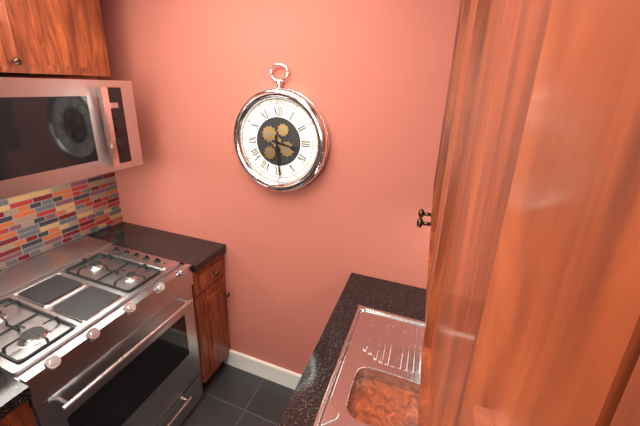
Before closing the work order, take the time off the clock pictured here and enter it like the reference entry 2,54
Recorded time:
3,29
